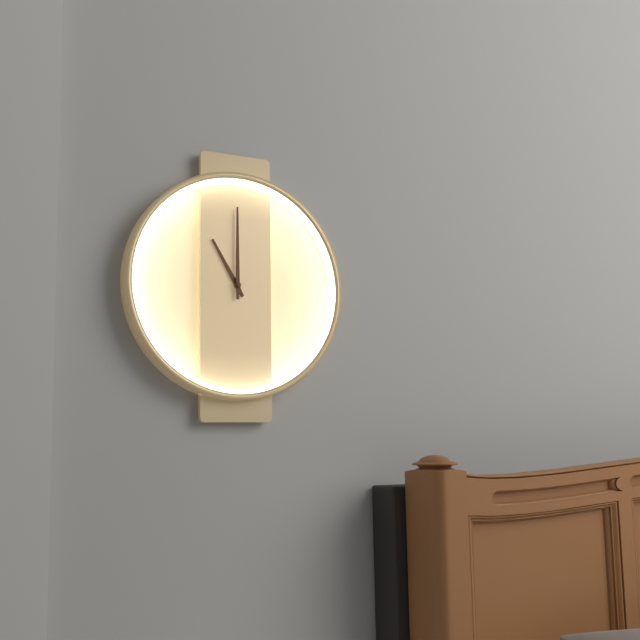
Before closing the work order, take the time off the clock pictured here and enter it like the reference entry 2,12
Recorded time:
11,00
